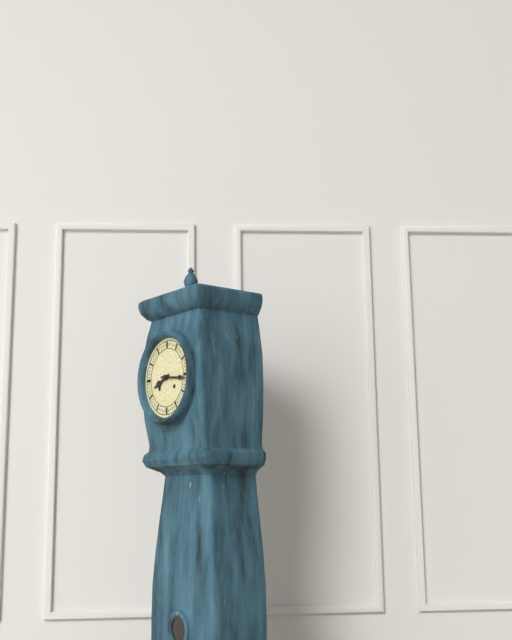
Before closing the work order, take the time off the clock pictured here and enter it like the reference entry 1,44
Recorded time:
8,16
